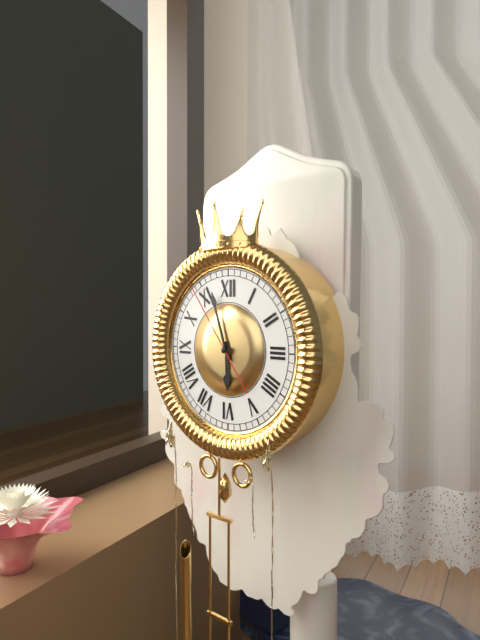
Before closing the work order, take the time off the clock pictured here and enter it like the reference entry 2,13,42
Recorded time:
5,57,54
